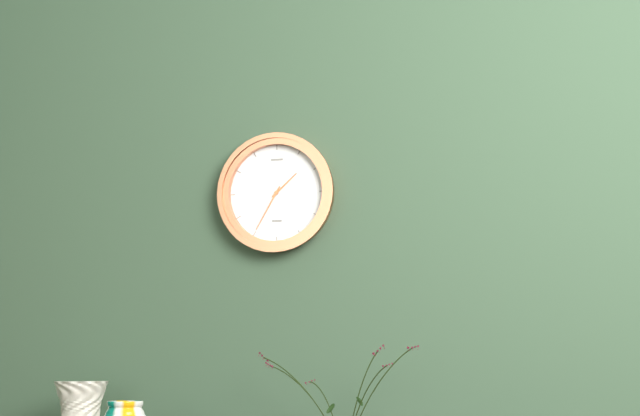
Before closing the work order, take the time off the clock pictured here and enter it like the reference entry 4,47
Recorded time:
1,35
